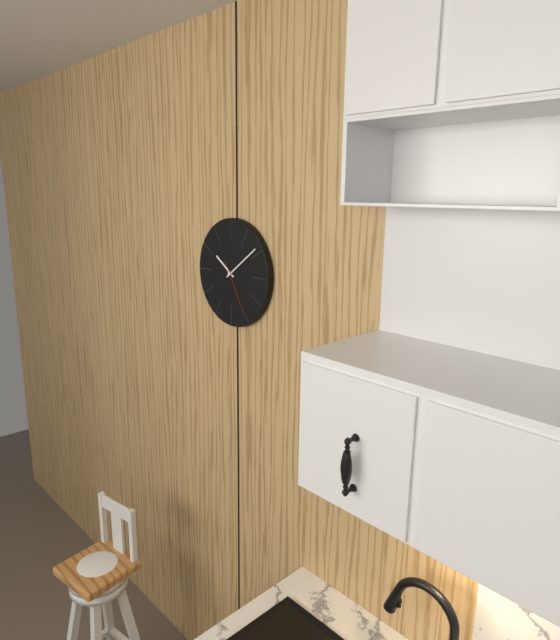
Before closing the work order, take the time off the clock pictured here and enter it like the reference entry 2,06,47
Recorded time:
10,09,25
